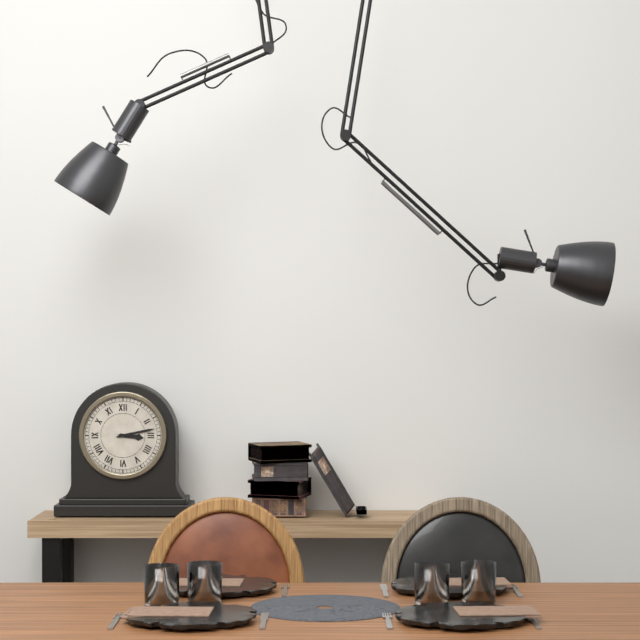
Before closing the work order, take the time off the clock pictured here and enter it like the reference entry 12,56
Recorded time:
3,13
